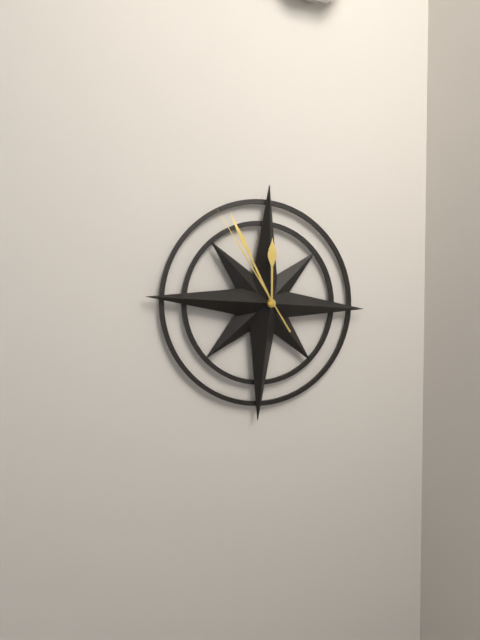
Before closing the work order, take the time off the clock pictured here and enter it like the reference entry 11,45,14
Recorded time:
11,55,54
